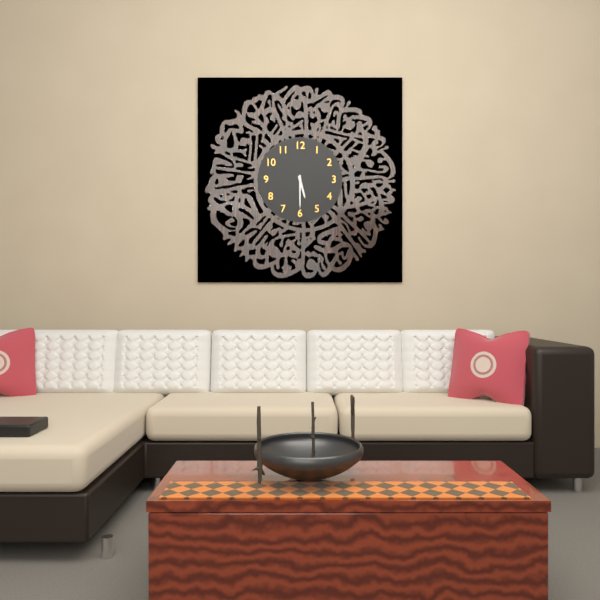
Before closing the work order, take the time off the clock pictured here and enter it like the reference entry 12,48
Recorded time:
5,30
